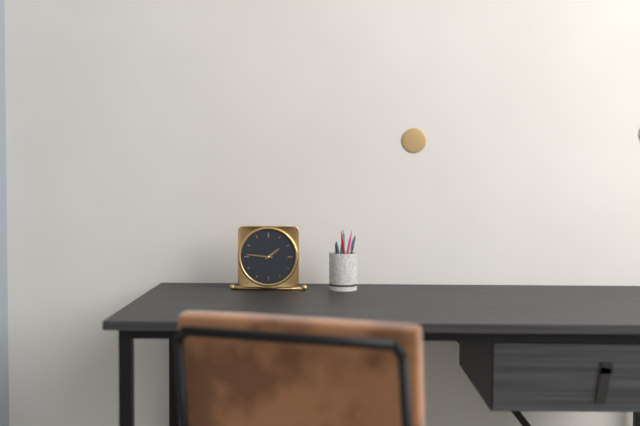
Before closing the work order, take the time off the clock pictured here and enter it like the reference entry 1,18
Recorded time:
1,46
